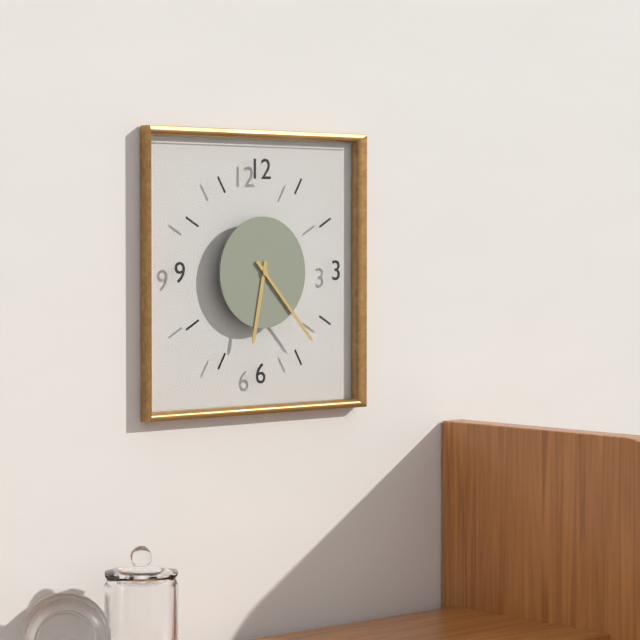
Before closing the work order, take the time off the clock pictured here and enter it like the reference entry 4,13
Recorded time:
6,23
